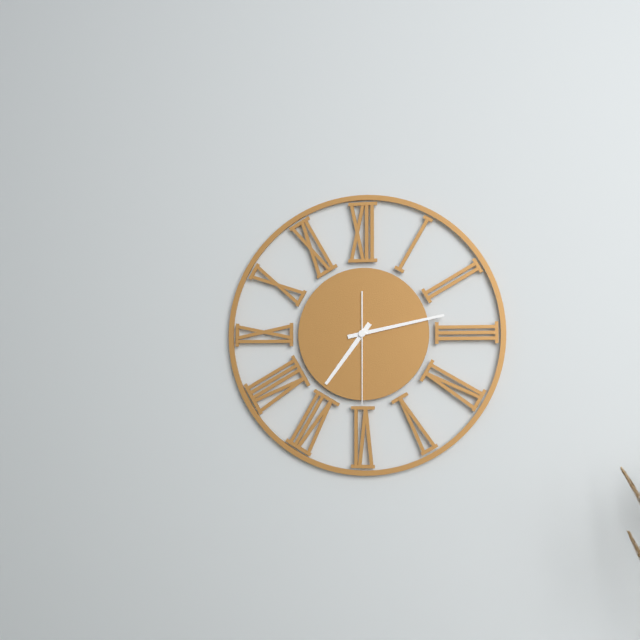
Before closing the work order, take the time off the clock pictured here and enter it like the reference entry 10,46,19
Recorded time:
7,13,30
